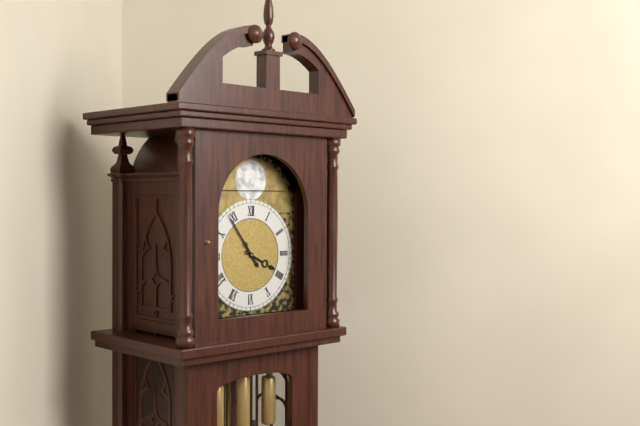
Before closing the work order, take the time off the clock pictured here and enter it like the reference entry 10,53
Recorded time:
3,54
